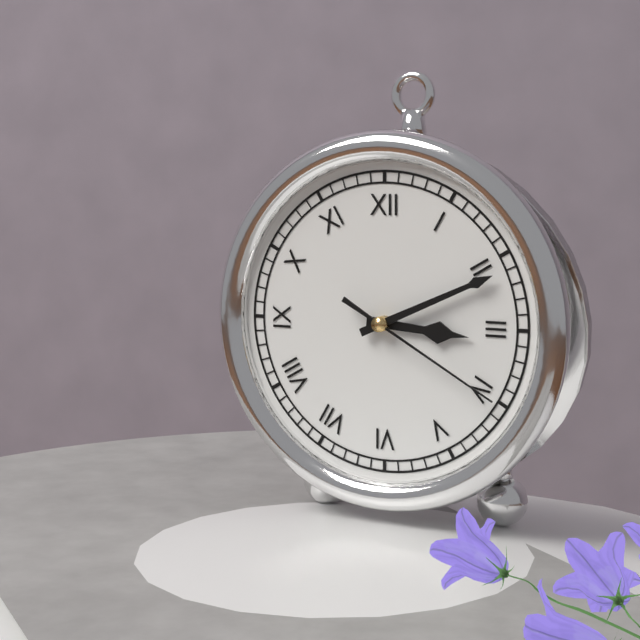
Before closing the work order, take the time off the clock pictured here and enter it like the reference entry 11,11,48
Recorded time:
3,11,20
